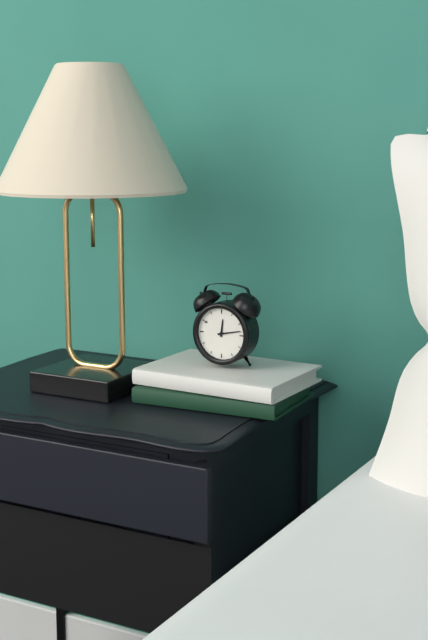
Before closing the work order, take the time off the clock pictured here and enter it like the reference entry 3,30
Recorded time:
12,13
